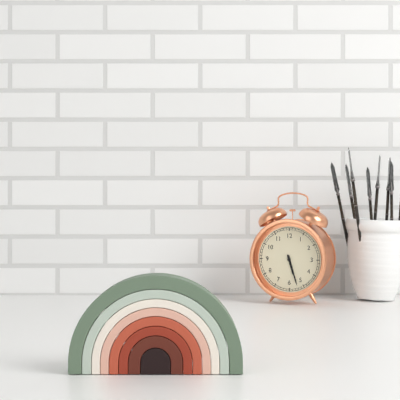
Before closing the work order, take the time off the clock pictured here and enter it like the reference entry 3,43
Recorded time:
5,27
